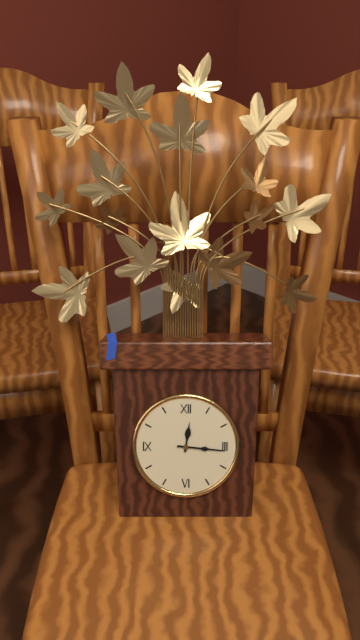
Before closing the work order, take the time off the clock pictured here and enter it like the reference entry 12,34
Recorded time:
12,16
